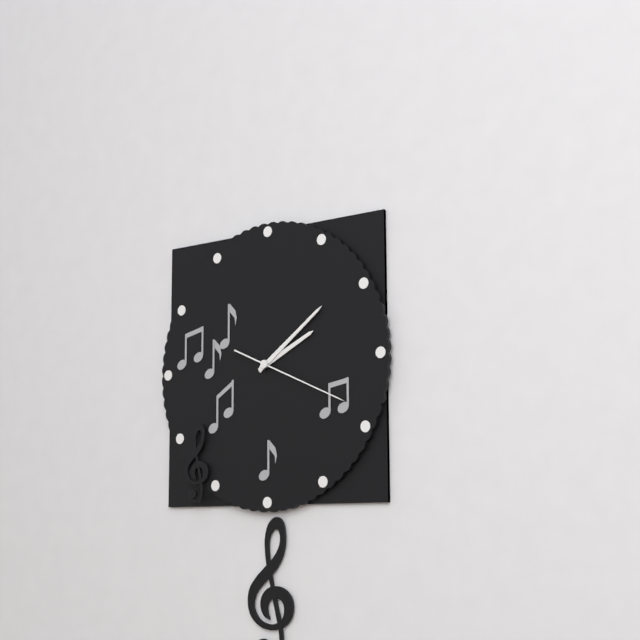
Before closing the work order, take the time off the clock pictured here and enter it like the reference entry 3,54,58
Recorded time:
2,09,19
